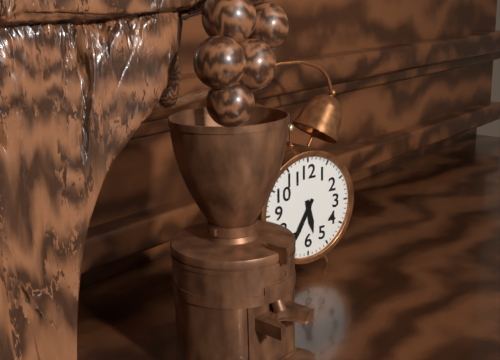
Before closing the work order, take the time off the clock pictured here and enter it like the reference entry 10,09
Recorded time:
5,35
